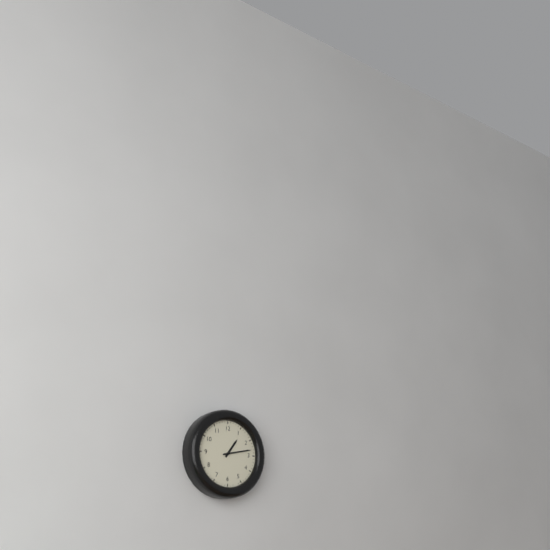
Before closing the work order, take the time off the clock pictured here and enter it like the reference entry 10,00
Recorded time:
1,13
